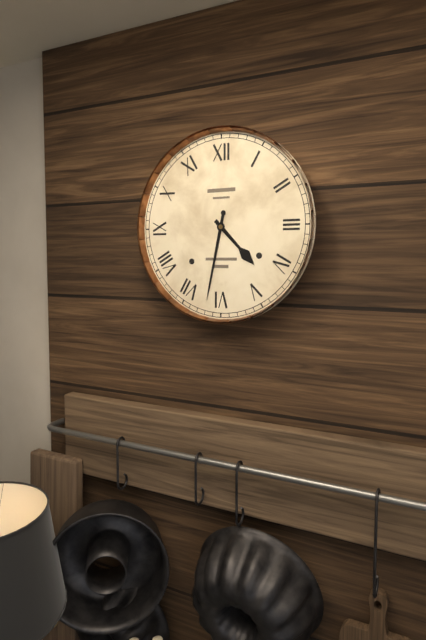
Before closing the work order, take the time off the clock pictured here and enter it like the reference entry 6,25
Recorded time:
4,32
